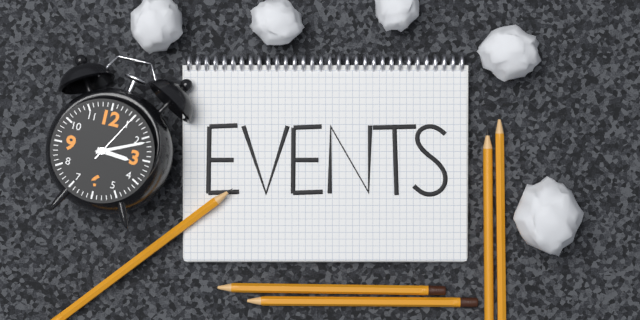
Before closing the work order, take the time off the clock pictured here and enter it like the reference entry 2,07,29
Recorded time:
3,11,05
